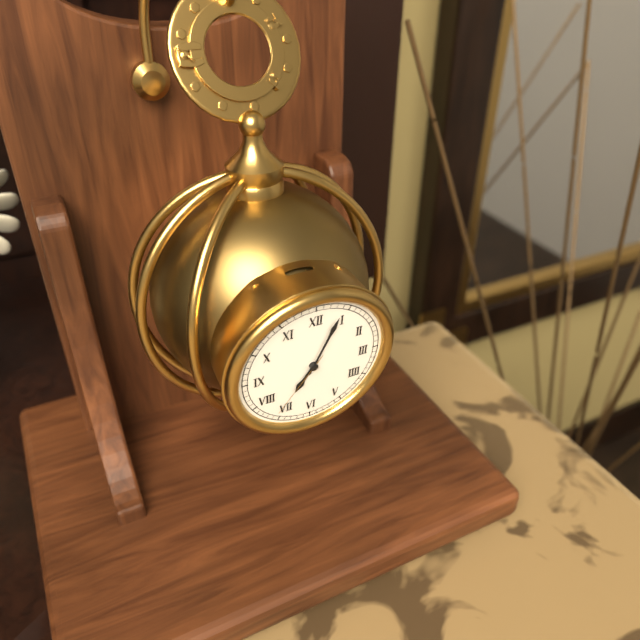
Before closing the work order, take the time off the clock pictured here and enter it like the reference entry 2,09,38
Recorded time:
7,04,36
